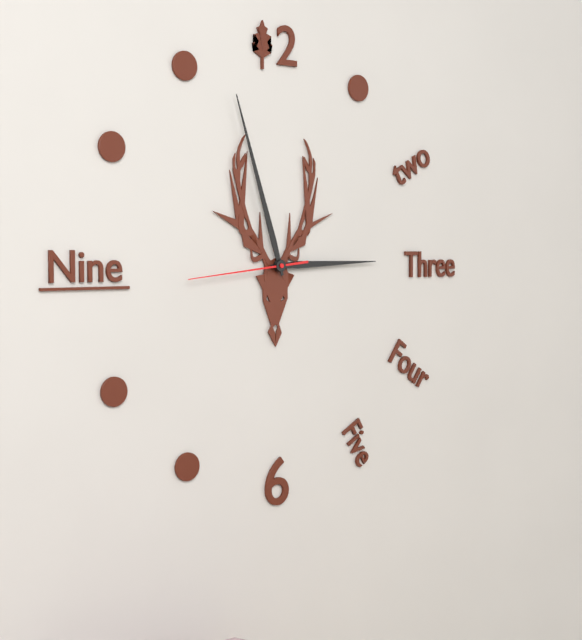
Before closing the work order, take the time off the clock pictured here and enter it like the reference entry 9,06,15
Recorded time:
2,57,44
